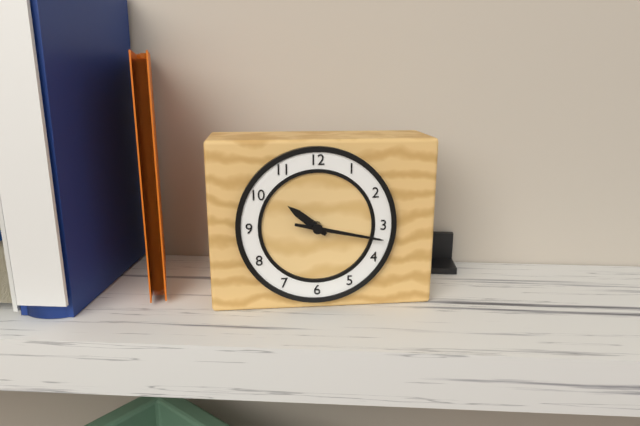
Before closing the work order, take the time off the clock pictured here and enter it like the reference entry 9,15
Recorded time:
10,17
